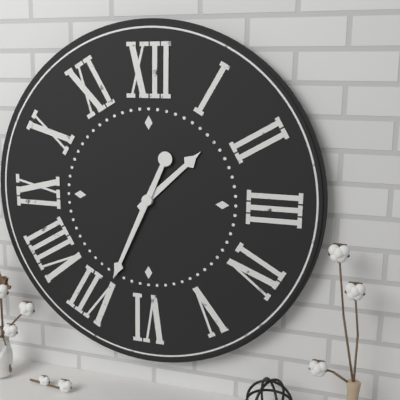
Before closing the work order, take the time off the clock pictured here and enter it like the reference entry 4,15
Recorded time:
1,34
